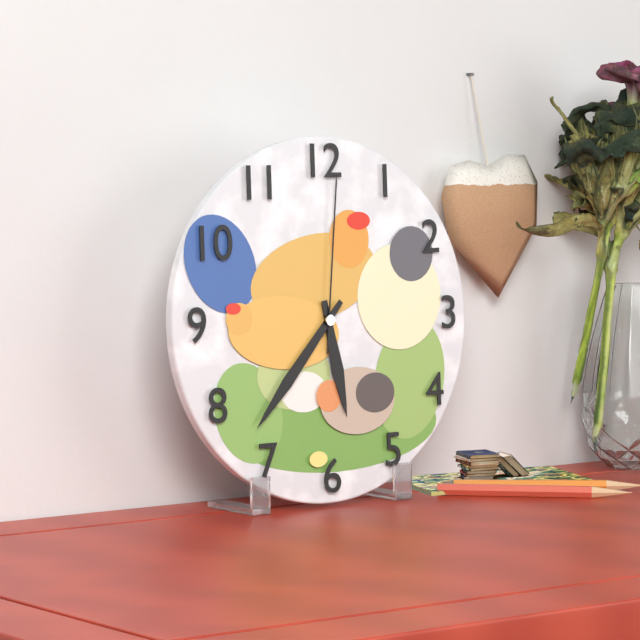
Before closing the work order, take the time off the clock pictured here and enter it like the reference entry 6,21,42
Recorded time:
5,37,01
